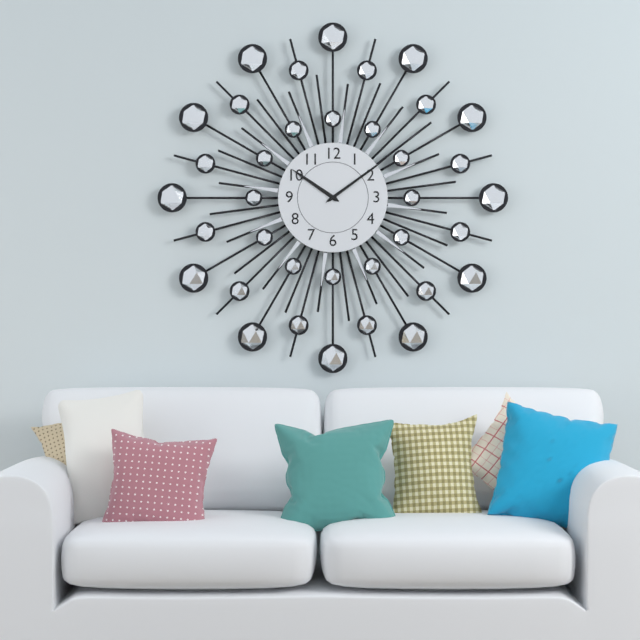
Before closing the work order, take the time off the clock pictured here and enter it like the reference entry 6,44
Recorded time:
10,09
